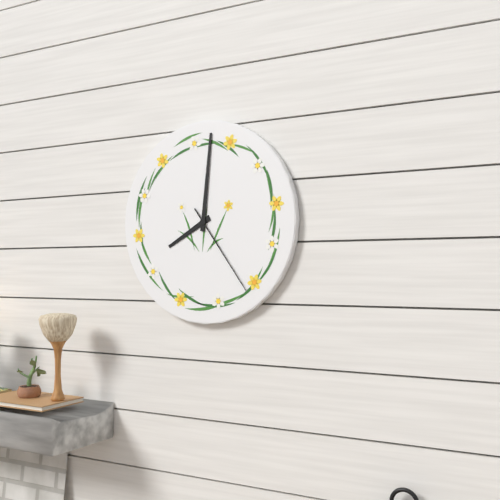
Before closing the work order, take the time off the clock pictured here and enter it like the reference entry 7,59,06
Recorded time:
8,01,24
